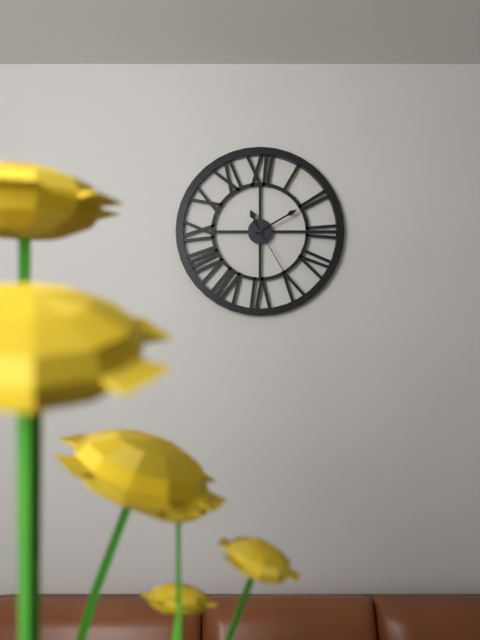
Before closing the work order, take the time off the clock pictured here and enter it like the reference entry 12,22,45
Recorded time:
11,10,25
